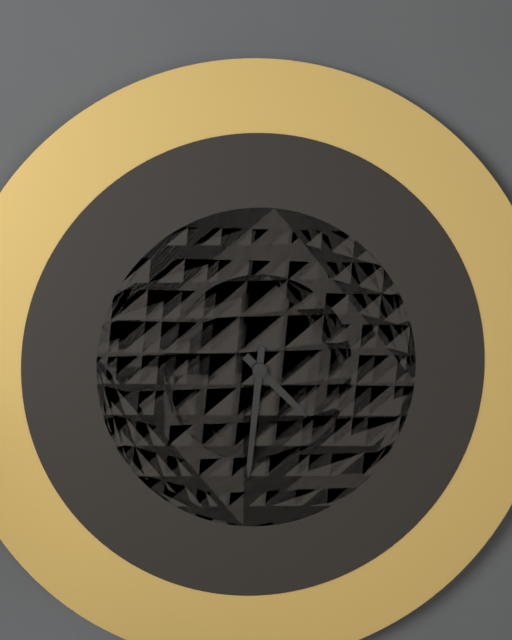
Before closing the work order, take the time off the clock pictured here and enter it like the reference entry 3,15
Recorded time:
4,31
